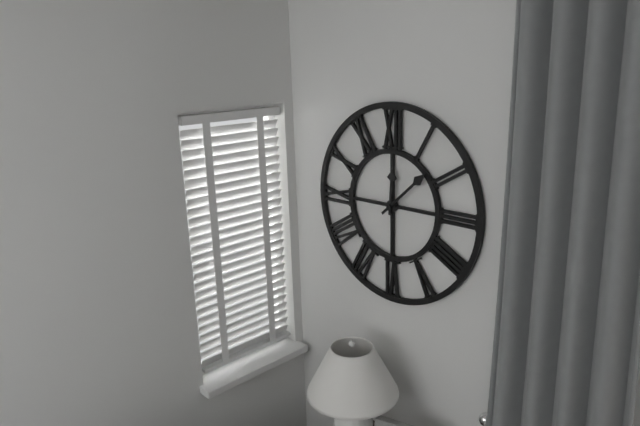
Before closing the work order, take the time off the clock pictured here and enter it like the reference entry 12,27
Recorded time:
12,08
